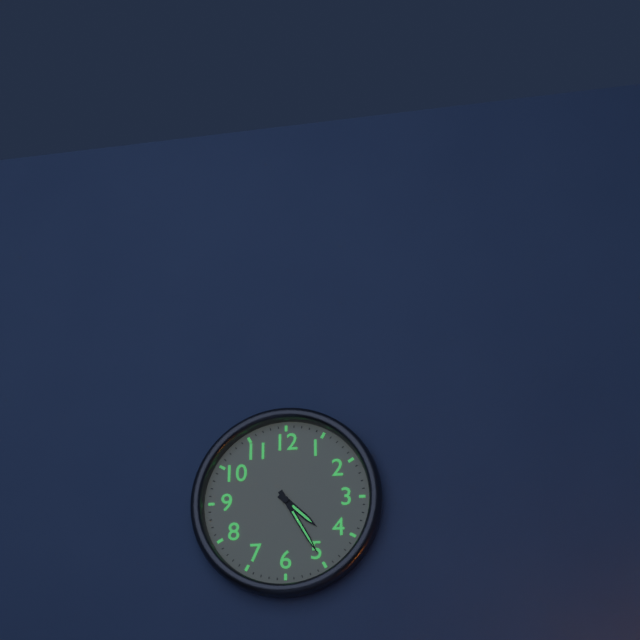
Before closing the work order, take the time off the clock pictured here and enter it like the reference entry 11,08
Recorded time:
4,25
